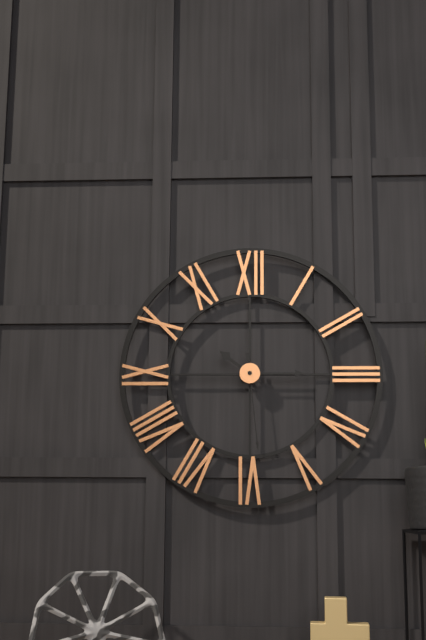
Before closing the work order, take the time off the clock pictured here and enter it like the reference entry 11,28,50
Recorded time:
10,15,29
